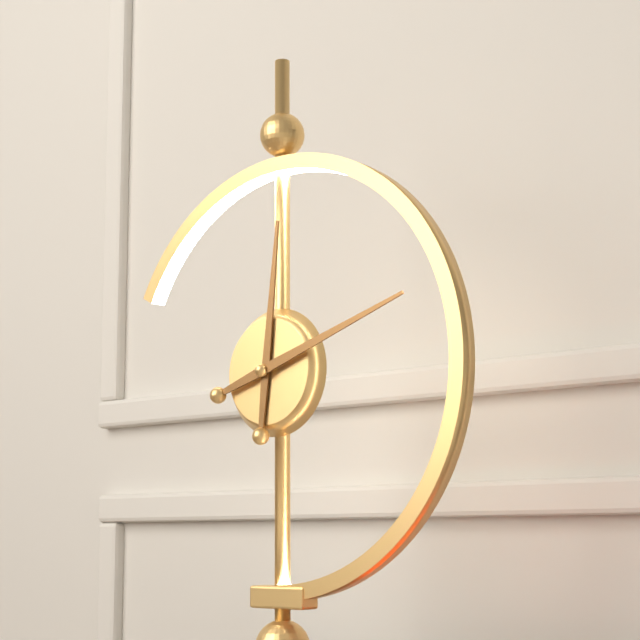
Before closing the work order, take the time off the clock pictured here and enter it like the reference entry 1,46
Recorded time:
12,12
